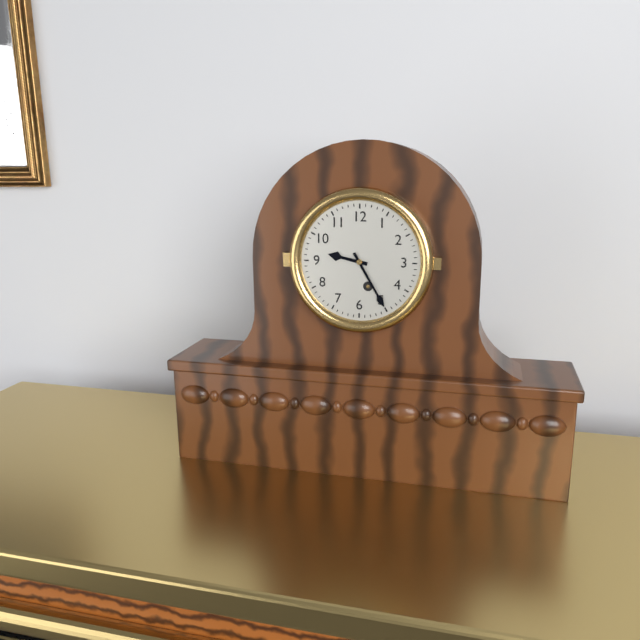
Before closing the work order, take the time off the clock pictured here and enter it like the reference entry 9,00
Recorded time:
9,25
